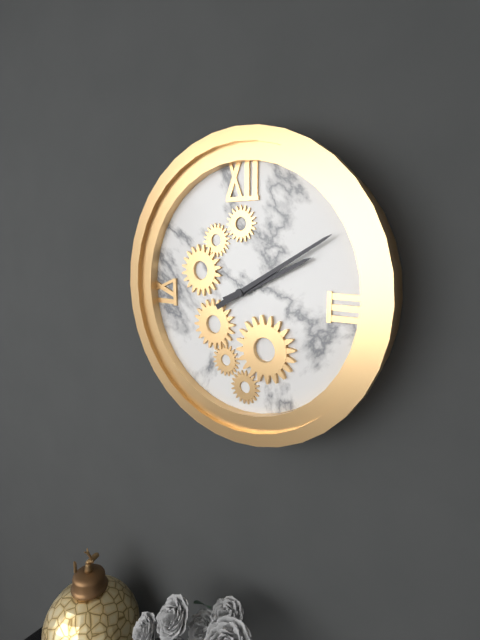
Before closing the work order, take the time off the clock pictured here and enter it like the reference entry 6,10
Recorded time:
2,10
